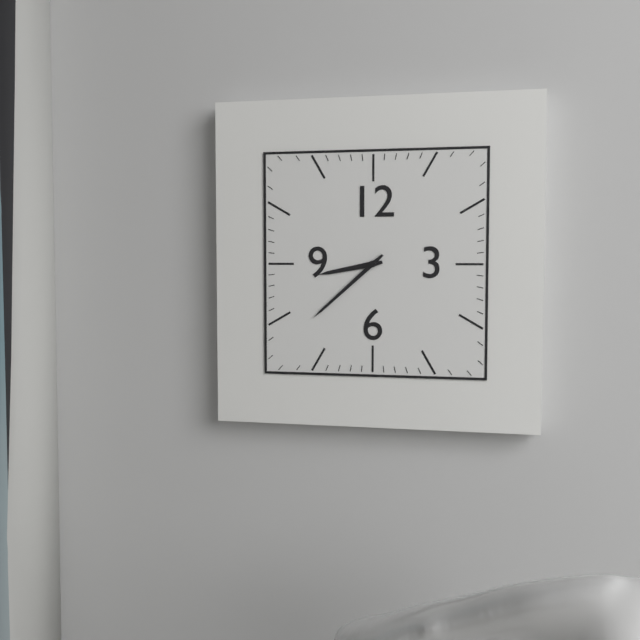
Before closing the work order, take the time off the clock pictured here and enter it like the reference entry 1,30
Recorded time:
8,38
